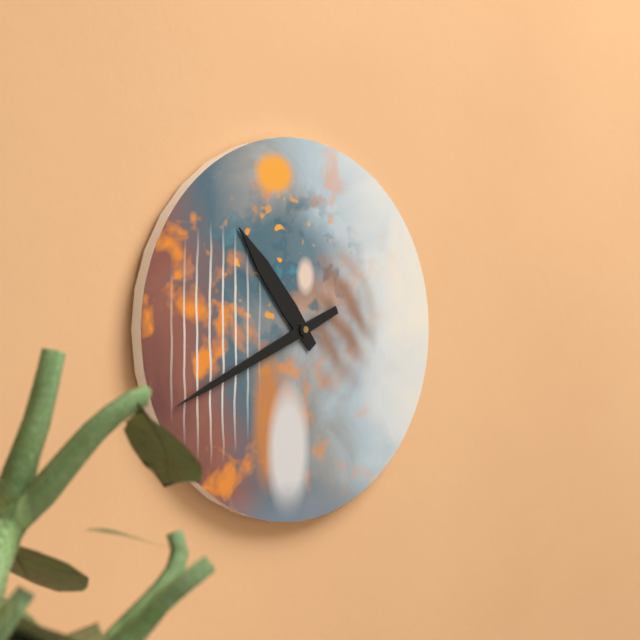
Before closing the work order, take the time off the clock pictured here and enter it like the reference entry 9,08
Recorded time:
10,41
